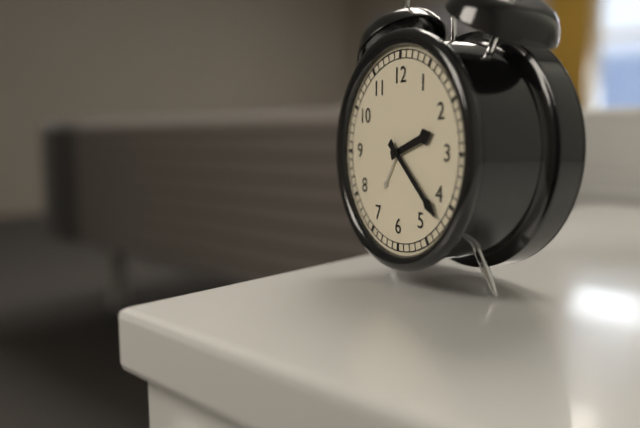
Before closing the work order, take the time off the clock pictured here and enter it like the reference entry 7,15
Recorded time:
2,22
